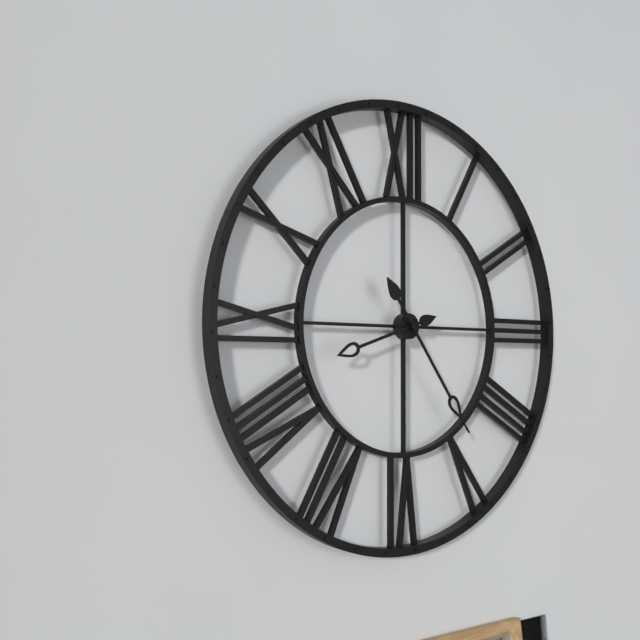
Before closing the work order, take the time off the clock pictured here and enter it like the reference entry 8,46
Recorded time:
8,24
